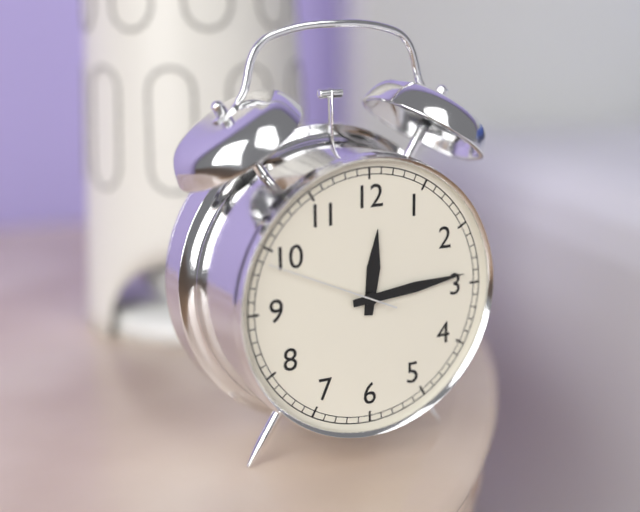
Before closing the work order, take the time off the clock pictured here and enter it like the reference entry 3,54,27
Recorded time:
12,14,49
